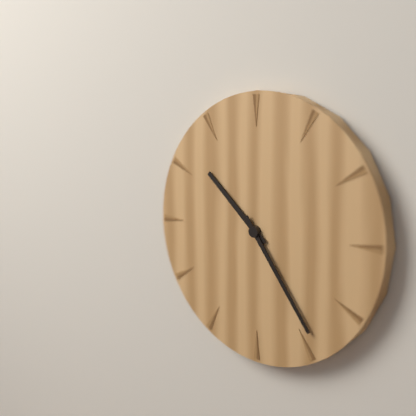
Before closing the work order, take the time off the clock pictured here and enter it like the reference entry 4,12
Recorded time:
10,24
